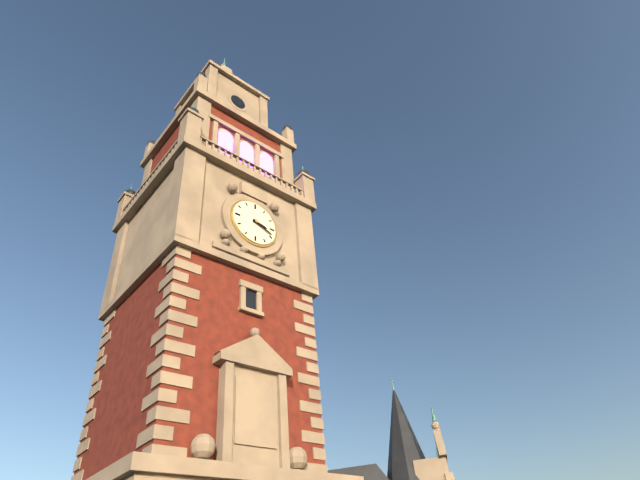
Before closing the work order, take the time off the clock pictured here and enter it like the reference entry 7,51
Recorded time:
3,19
